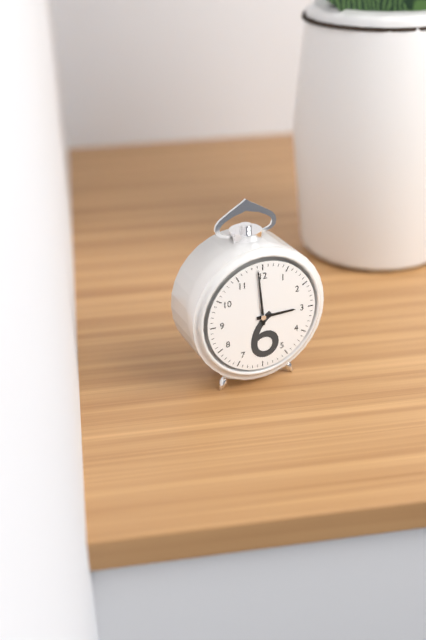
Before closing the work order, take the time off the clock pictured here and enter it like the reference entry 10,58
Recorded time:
2,59
